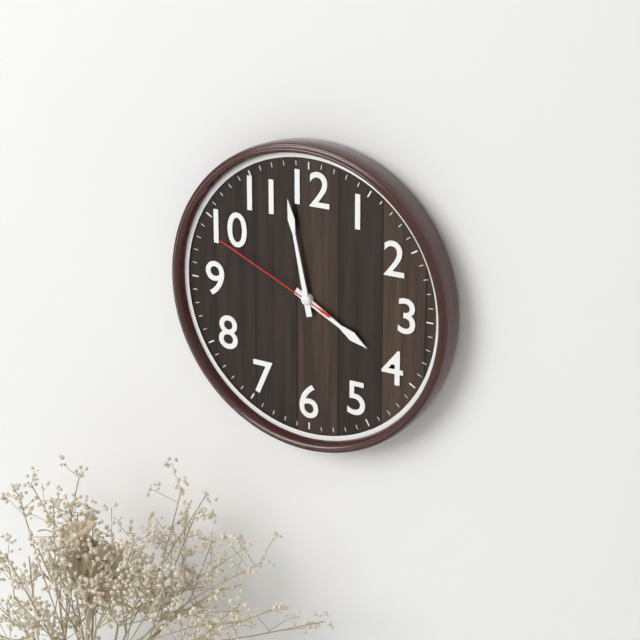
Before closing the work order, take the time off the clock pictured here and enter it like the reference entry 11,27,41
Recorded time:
3,58,49
